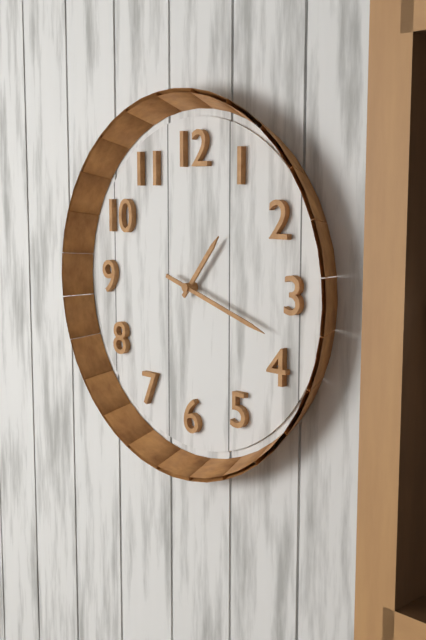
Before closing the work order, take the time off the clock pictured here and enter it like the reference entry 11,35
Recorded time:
1,18
